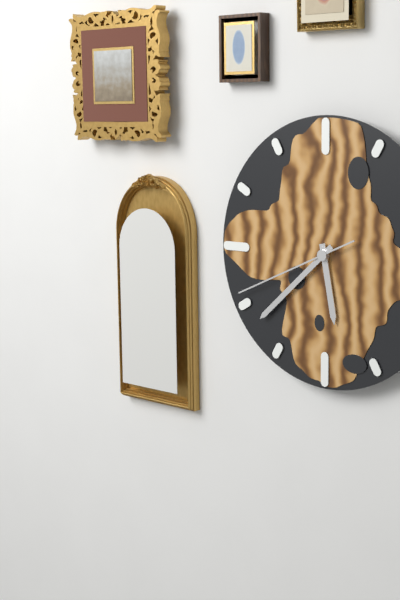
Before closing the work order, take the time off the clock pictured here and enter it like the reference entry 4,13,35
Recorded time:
5,38,41
